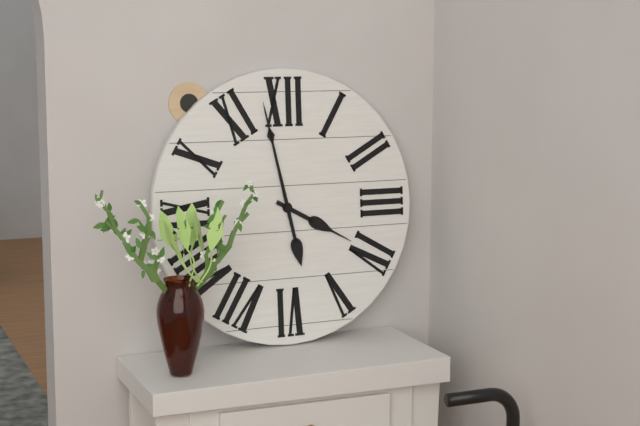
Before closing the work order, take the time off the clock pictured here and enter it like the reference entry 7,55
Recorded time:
3,58
